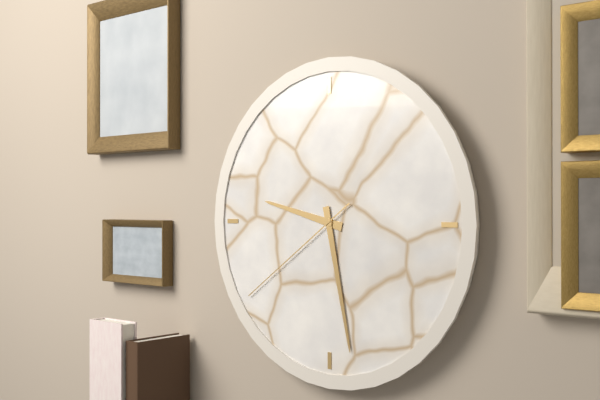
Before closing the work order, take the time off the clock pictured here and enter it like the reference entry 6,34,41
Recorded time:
9,28,39
